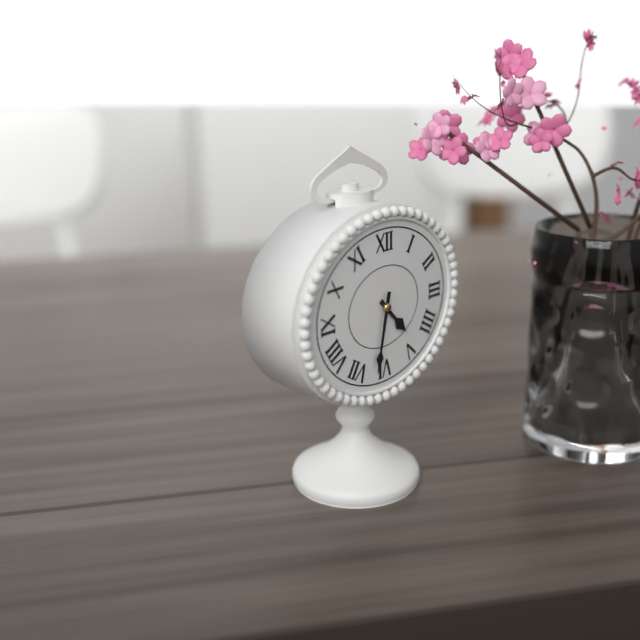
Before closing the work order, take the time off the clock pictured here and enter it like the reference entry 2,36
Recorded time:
4,32
